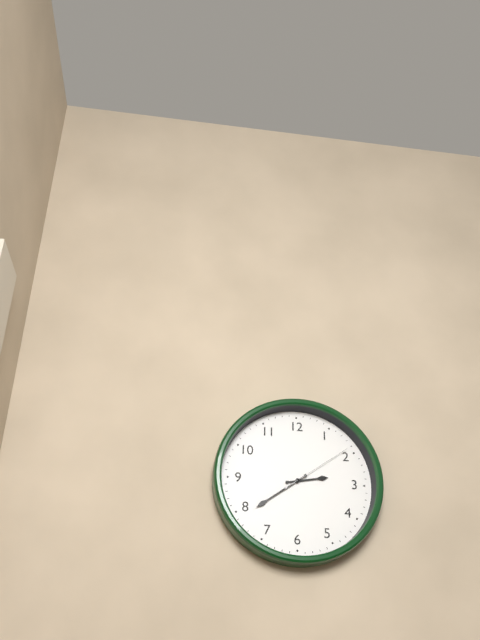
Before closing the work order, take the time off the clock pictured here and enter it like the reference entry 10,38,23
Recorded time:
2,39,09
